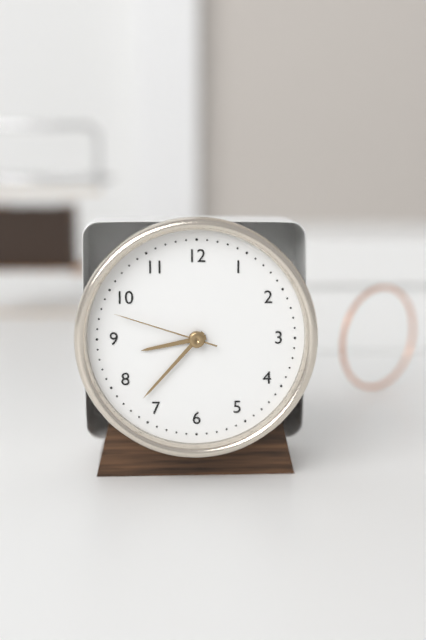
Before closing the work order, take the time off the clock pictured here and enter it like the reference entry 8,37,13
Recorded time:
8,37,48
